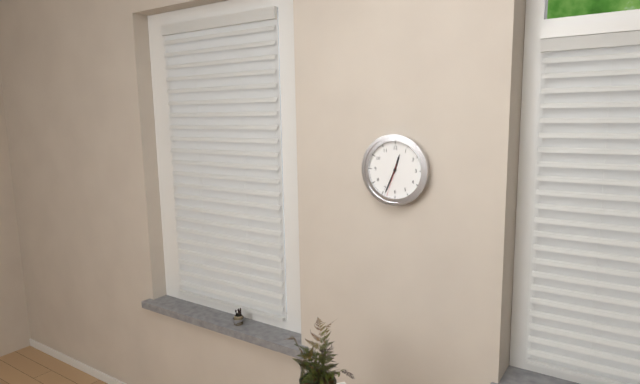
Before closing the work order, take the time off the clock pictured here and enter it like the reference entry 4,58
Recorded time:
12,34
